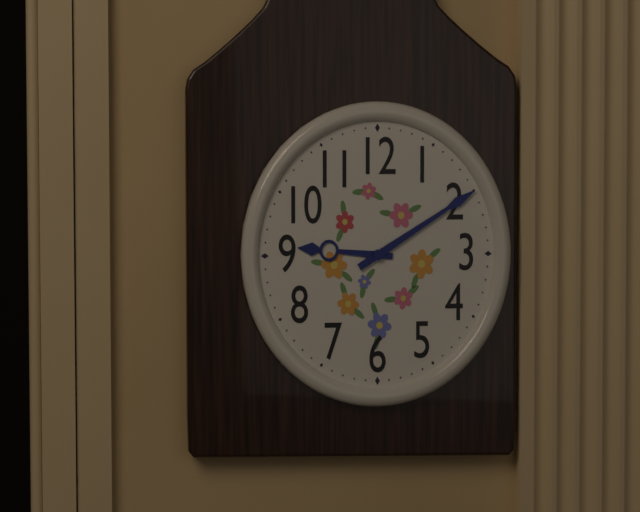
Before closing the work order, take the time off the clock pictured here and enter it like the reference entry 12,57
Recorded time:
9,10
